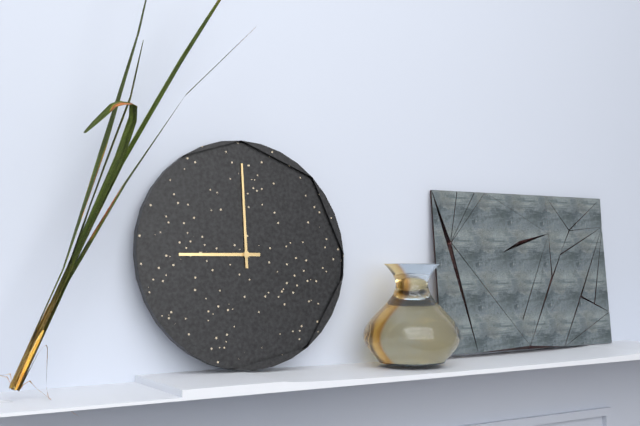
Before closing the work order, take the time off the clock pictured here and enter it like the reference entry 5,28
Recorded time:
9,00
